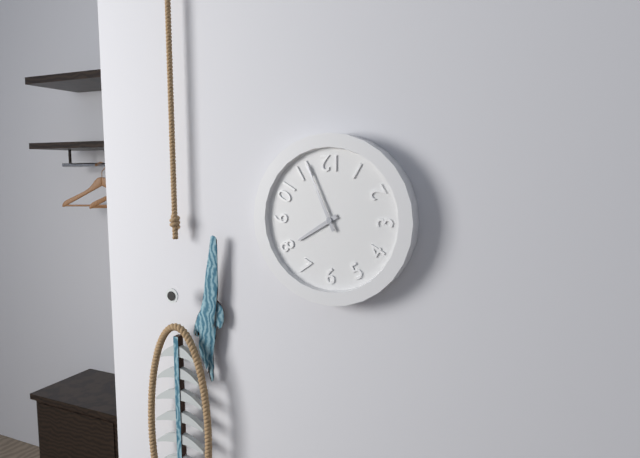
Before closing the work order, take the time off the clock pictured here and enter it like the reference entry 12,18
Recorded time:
7,56
